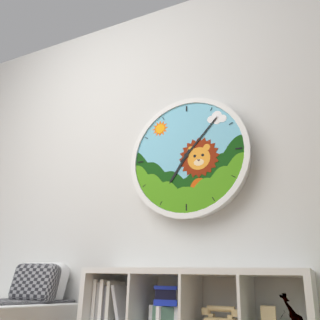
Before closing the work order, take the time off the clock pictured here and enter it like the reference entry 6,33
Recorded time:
7,07
